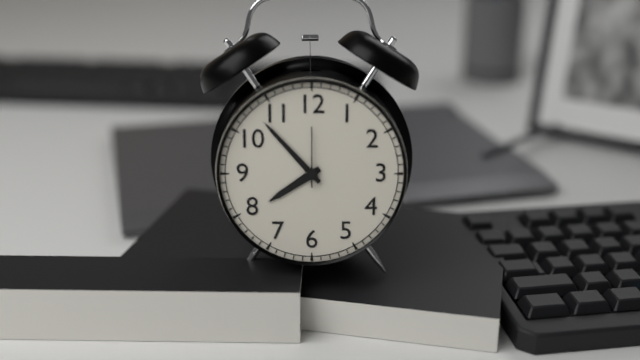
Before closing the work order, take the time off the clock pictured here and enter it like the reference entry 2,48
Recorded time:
7,53
